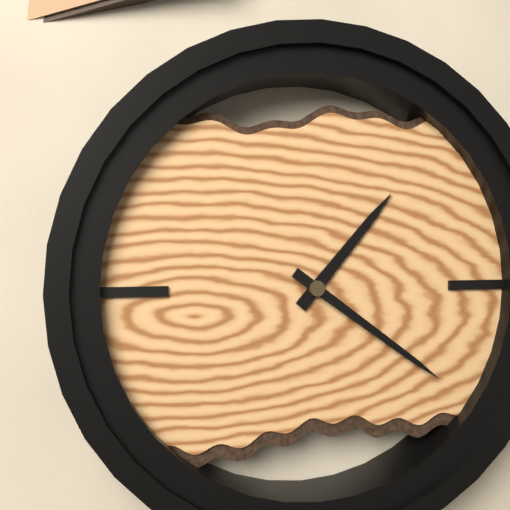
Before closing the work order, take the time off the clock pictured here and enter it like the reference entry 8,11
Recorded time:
1,21
